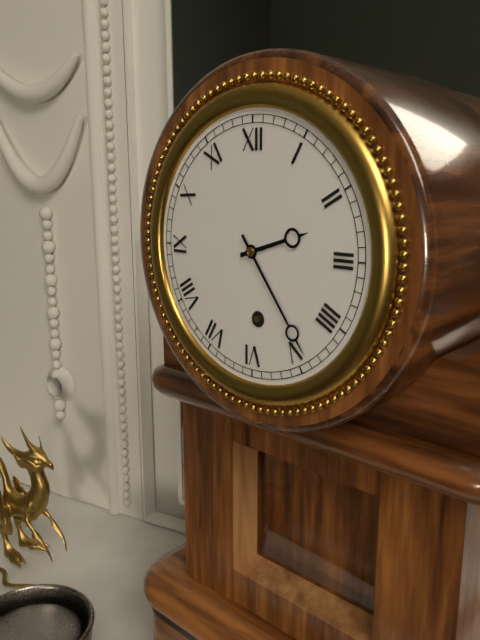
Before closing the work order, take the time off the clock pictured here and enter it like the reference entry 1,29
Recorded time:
2,24
